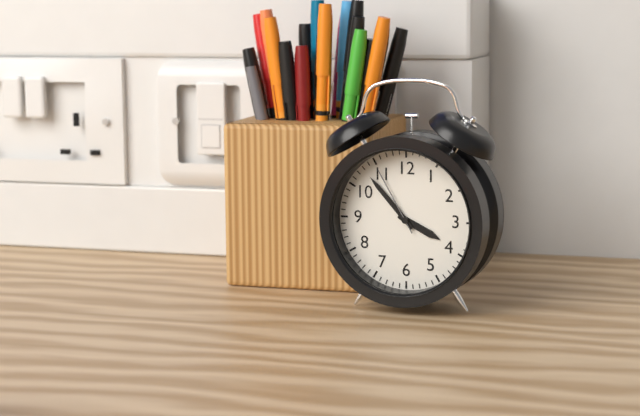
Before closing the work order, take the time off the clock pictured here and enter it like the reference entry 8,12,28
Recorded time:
3,53,55
